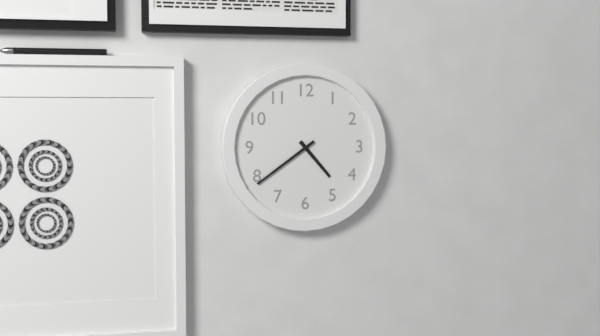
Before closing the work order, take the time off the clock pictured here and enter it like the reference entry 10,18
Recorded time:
4,39
